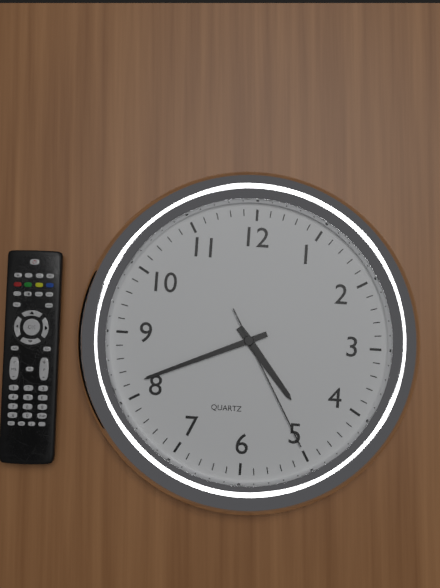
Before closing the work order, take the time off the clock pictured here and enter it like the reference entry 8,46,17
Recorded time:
4,41,25
